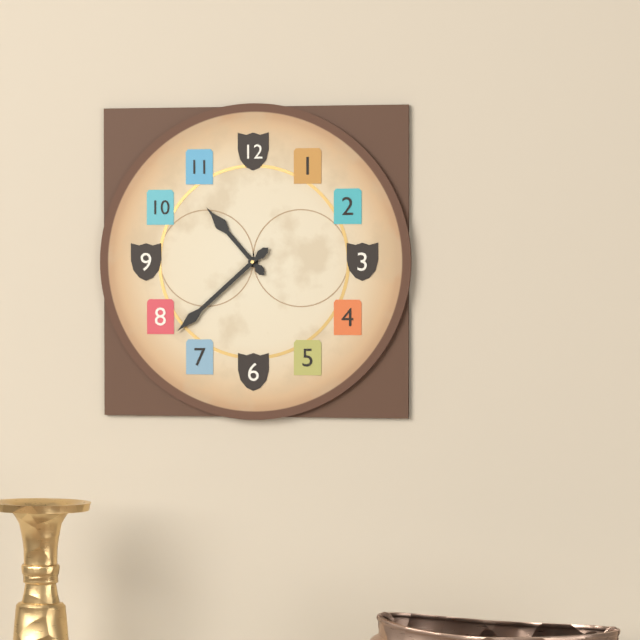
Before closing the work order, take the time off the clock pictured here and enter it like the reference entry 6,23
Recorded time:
10,38
